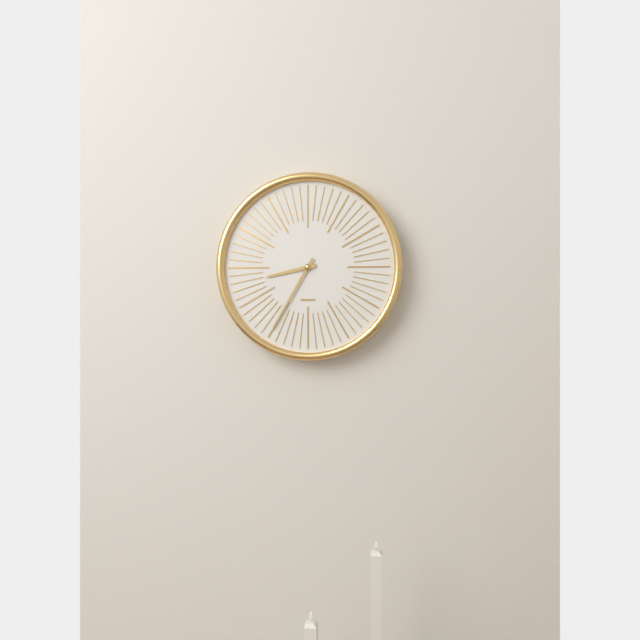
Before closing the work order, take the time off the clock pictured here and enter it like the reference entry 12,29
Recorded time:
8,35
